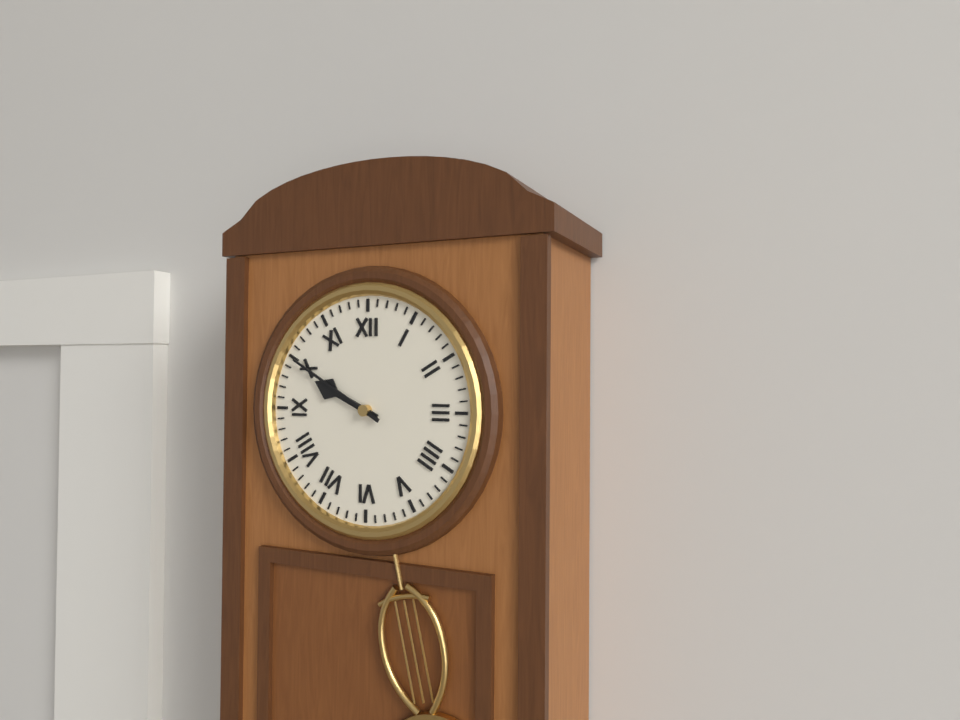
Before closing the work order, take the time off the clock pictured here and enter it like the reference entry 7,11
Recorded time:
9,50
